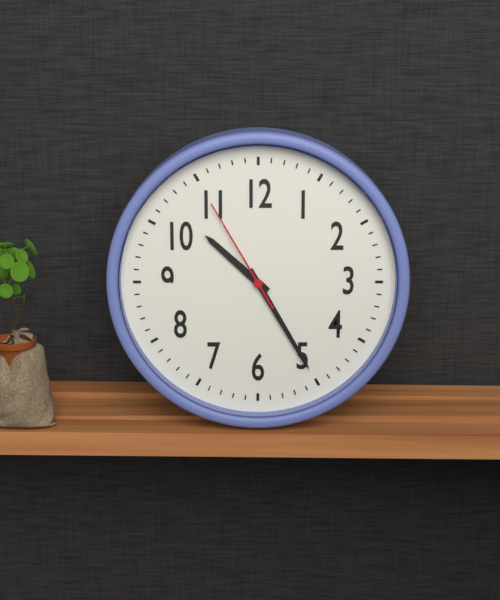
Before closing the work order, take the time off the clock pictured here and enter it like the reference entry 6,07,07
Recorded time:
10,25,55
